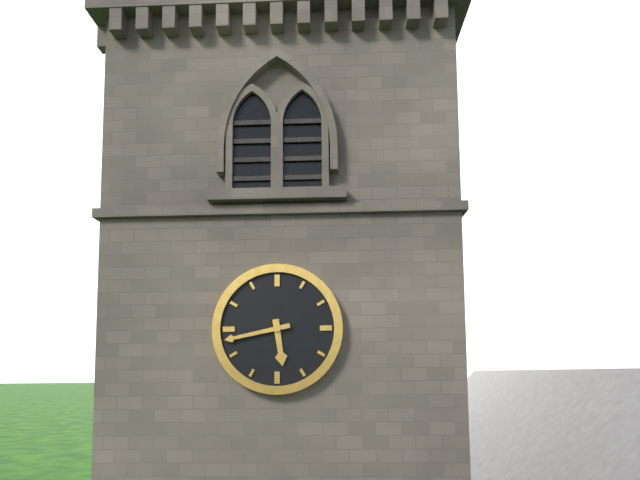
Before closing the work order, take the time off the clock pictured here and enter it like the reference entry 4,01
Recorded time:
5,43
